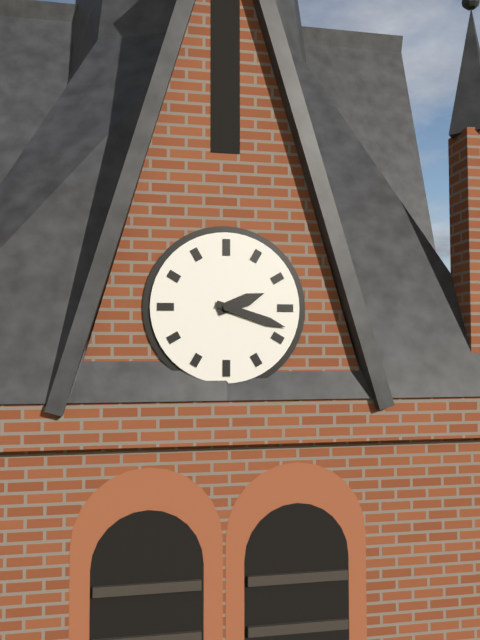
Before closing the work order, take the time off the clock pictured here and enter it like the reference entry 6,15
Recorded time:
2,18
